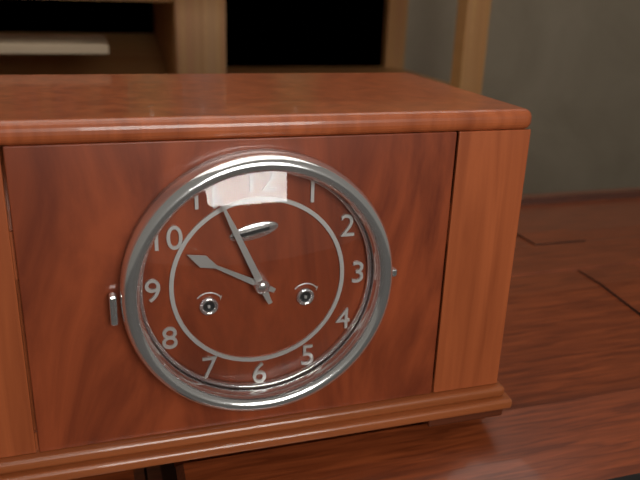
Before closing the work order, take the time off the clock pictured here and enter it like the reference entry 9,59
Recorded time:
9,56
